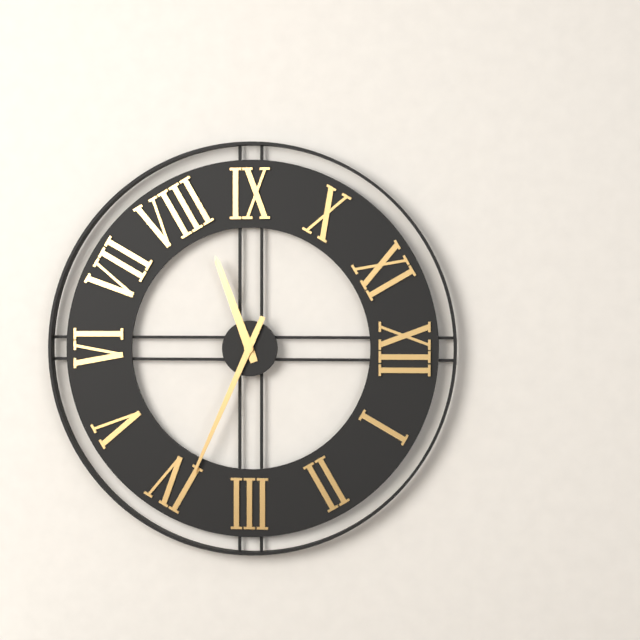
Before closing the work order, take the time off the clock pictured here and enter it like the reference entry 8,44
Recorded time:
8,19
